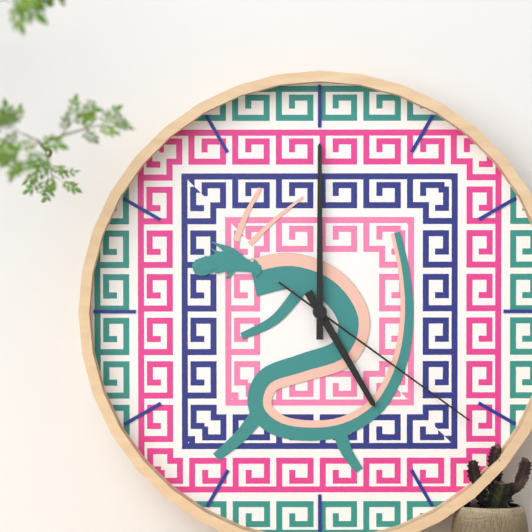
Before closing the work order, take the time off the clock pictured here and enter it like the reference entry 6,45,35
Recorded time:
5,00,21
